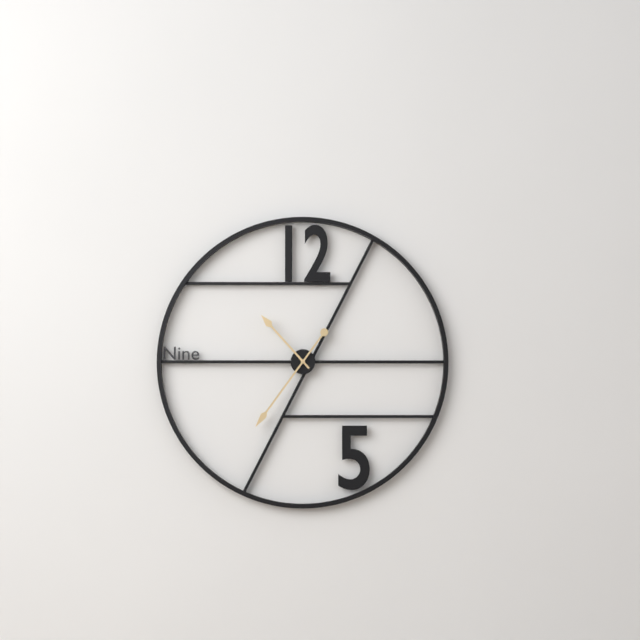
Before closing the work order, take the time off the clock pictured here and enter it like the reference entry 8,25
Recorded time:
10,36
